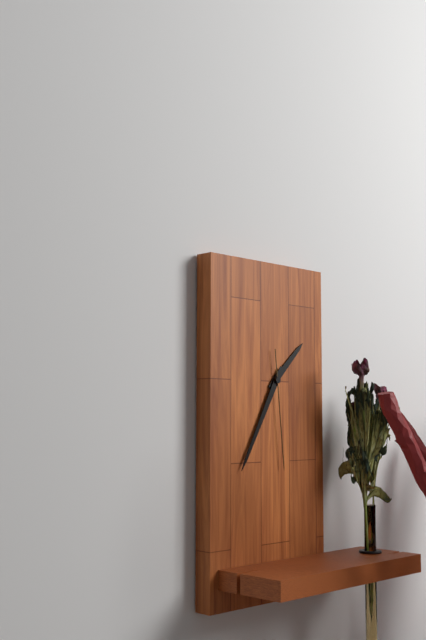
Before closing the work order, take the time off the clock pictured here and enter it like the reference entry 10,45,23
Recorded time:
1,35,29
